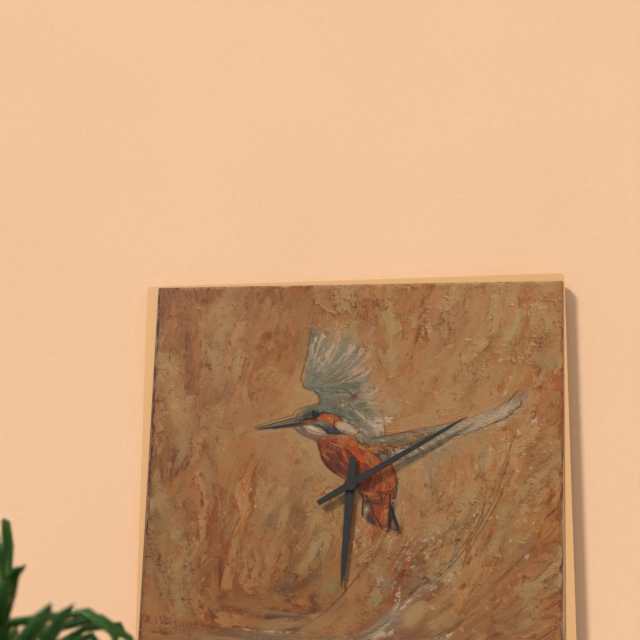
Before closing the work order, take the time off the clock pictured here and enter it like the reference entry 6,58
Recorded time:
6,10
